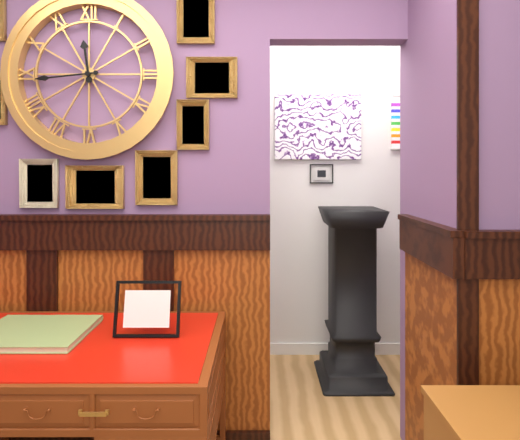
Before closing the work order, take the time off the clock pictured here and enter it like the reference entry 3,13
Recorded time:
11,44
